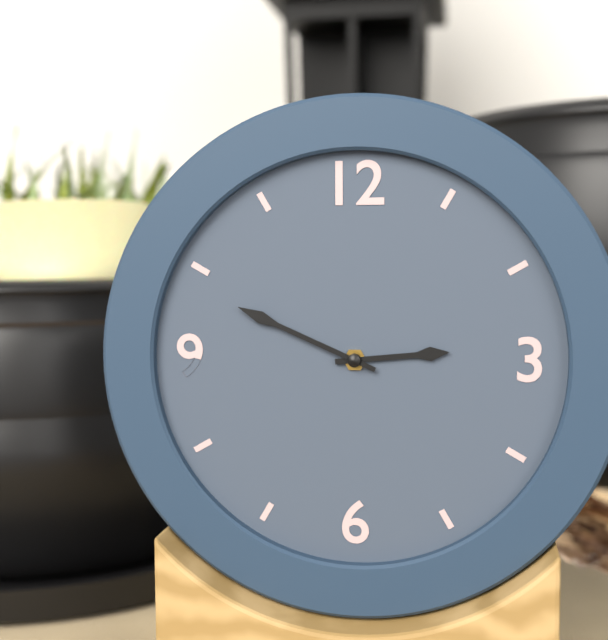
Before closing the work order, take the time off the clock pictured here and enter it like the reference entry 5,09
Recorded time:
2,49
